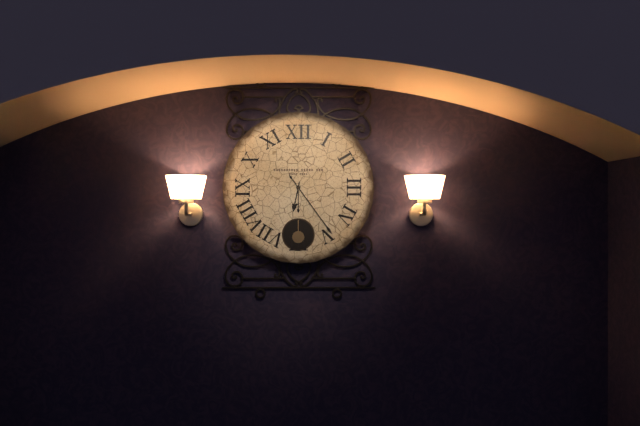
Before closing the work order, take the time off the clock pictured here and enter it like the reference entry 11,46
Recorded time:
6,24
